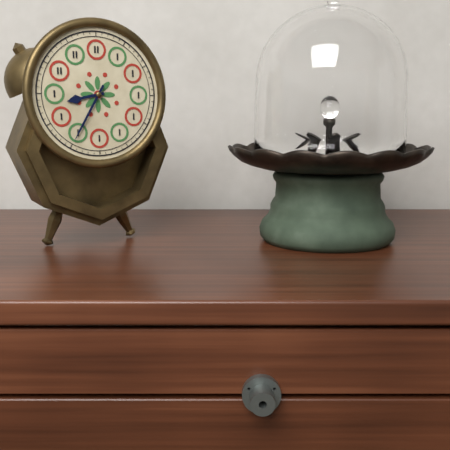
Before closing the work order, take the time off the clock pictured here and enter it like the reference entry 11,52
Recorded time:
8,35
